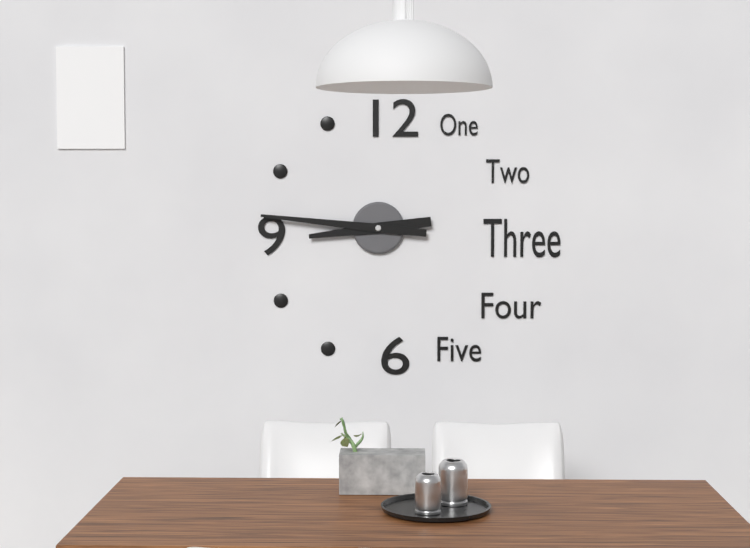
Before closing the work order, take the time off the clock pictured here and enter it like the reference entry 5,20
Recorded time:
8,46
